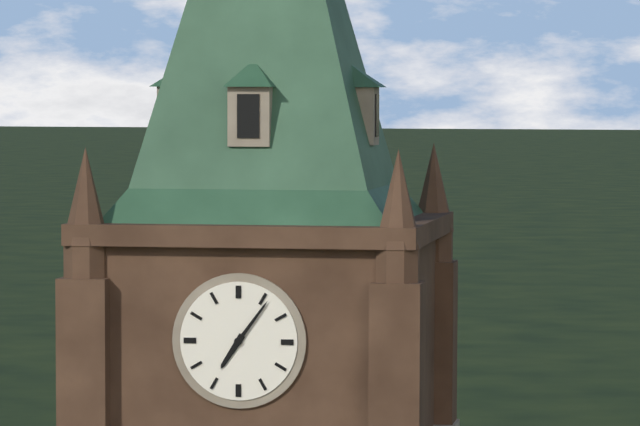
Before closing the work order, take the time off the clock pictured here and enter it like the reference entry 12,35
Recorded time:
7,06
